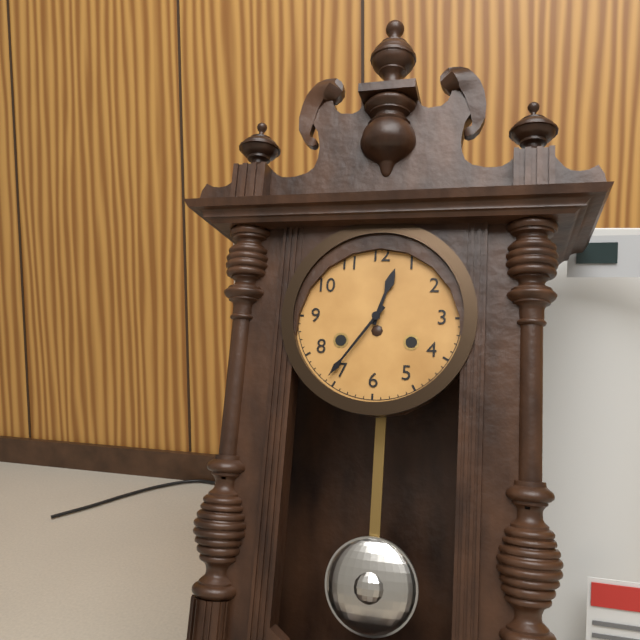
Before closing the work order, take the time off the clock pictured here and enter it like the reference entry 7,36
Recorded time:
12,36
